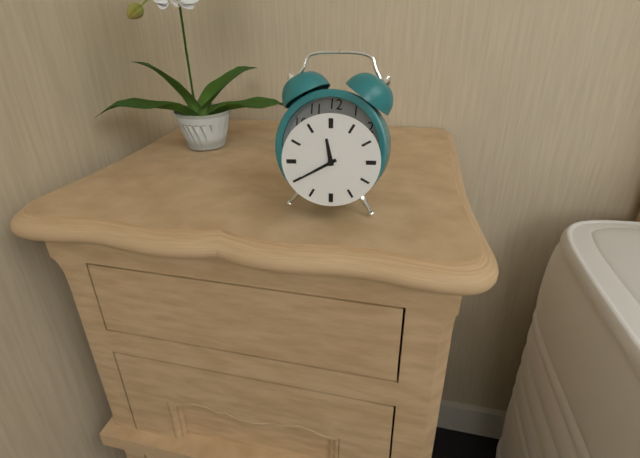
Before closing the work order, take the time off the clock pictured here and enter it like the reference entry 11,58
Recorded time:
11,40
